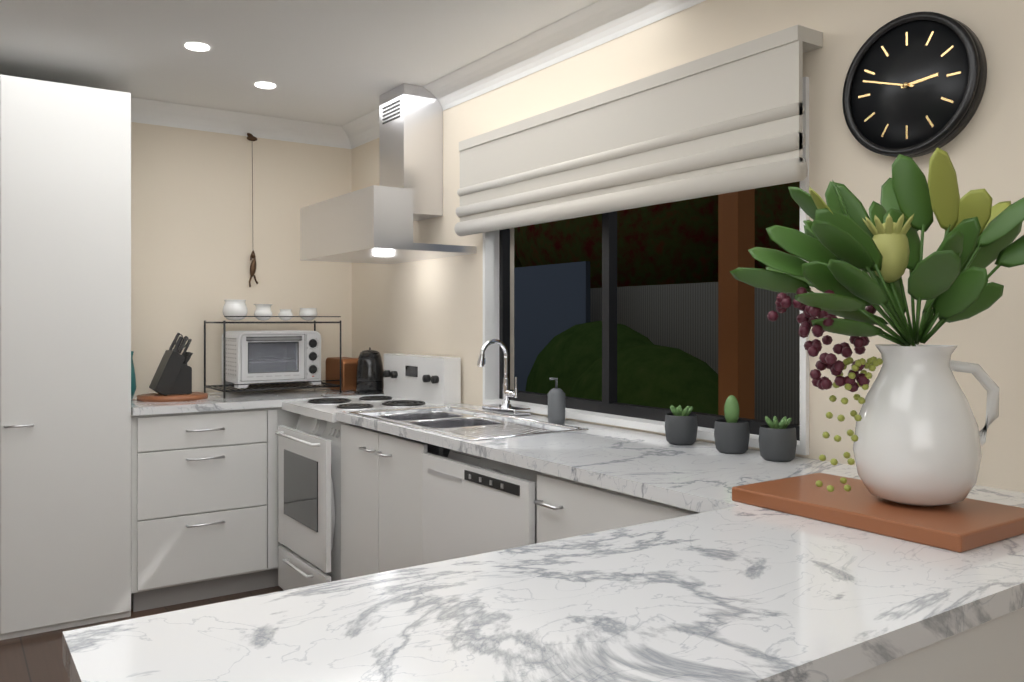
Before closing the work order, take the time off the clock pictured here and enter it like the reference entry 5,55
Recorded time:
2,48
